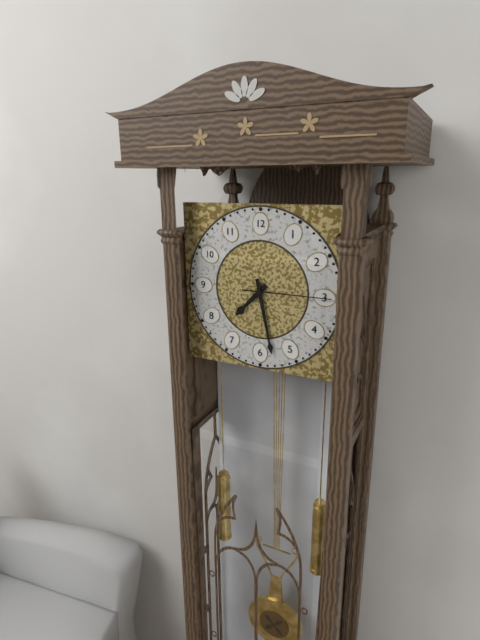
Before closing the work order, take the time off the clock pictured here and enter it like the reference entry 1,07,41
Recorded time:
7,28,15
